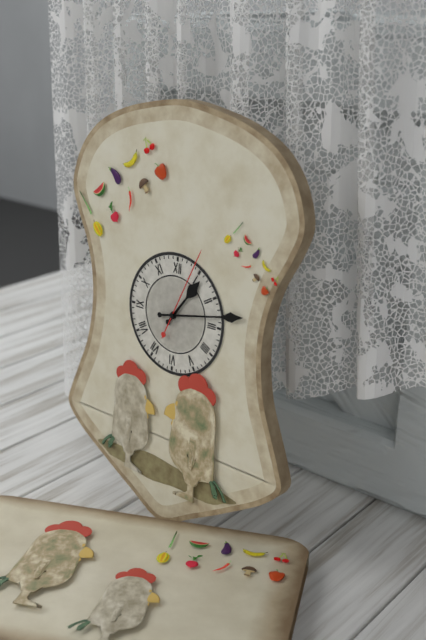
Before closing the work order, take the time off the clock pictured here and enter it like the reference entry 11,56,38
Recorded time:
1,13,04
